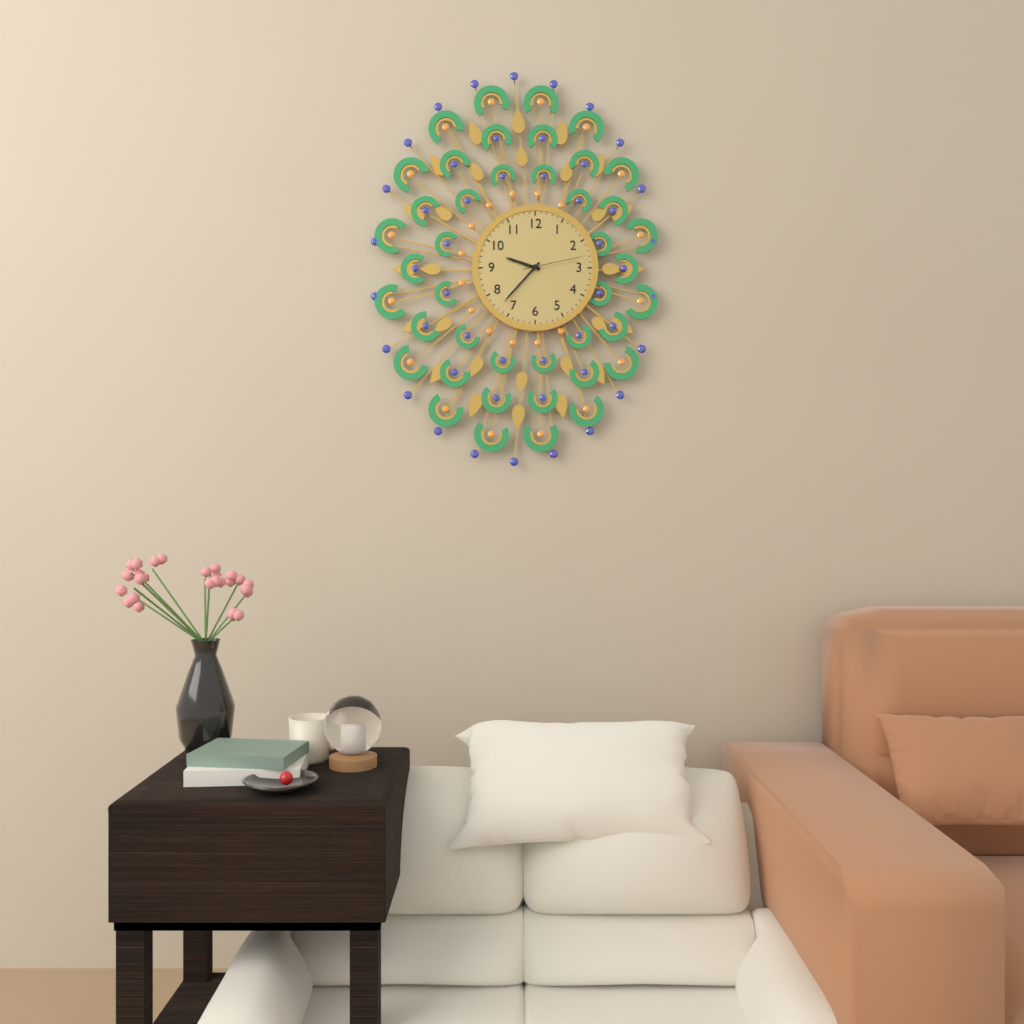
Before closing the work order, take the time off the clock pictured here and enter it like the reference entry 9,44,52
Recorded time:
9,37,13
